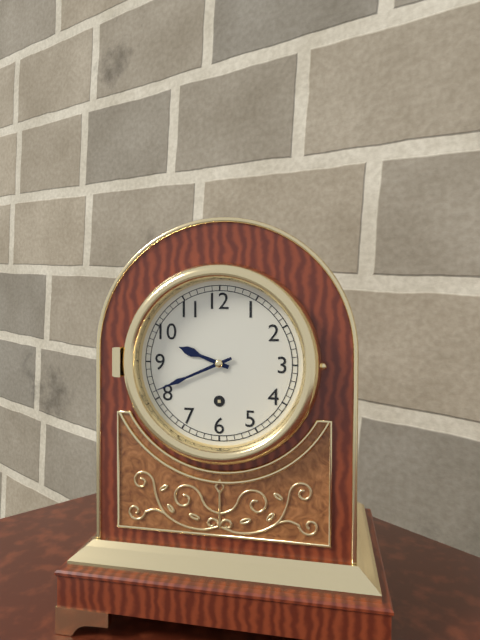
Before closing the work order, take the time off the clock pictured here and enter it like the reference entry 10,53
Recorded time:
9,41
